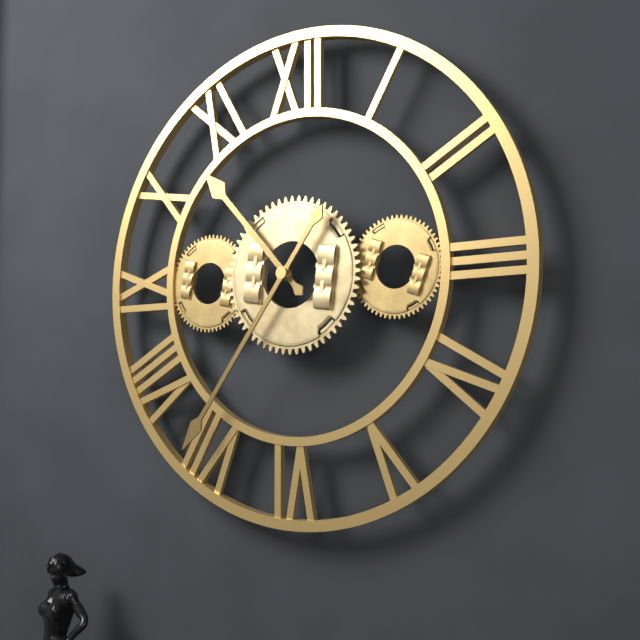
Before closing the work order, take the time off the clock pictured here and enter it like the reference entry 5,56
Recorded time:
10,36
